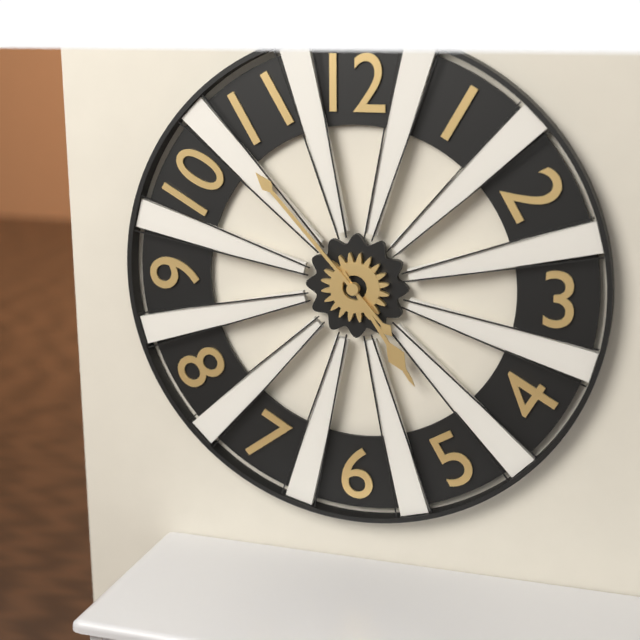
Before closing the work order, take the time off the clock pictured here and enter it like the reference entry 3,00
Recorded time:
4,53
